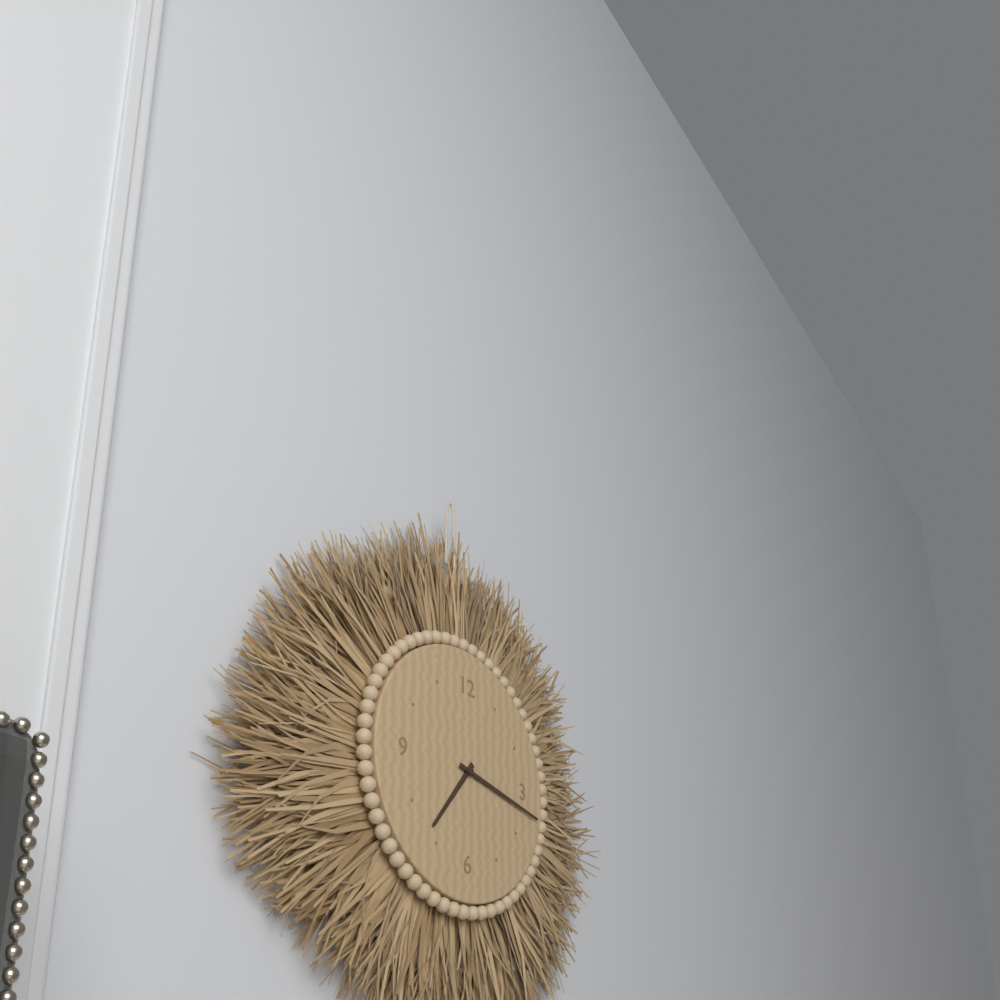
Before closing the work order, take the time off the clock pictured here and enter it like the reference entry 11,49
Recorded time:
7,17
